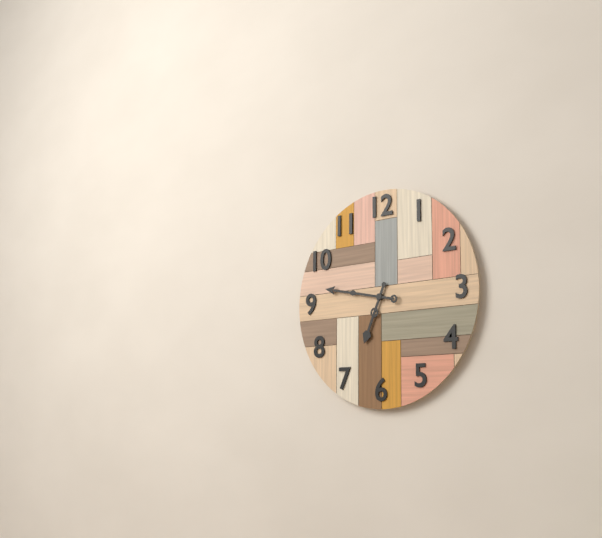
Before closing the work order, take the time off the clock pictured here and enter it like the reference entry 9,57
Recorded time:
6,47
